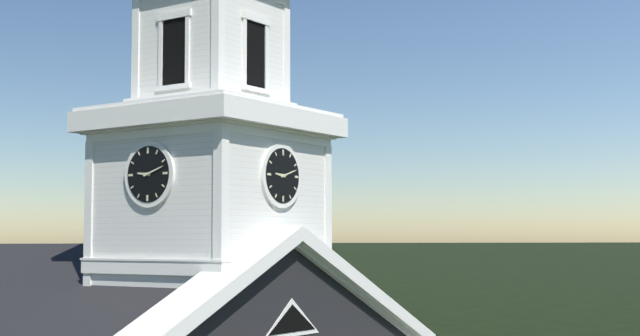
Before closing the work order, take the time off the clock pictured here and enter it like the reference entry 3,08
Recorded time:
9,12
